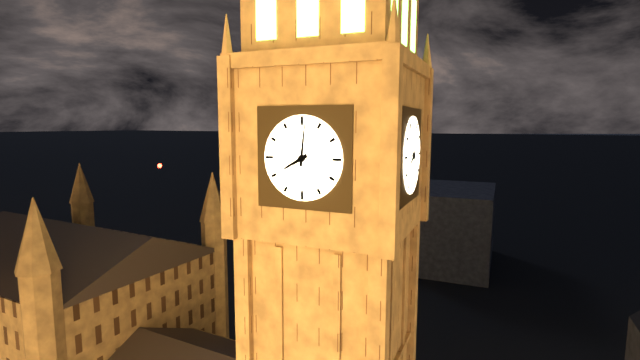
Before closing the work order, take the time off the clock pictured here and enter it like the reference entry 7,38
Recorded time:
8,01
